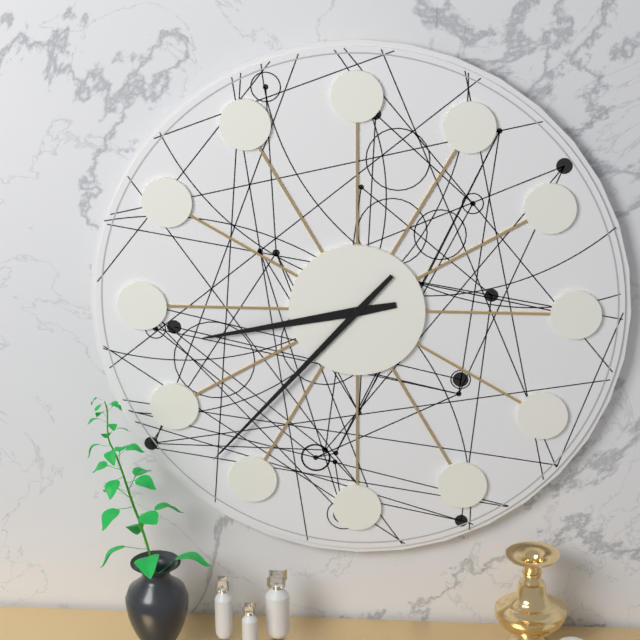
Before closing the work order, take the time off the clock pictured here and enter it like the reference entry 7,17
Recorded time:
8,37
